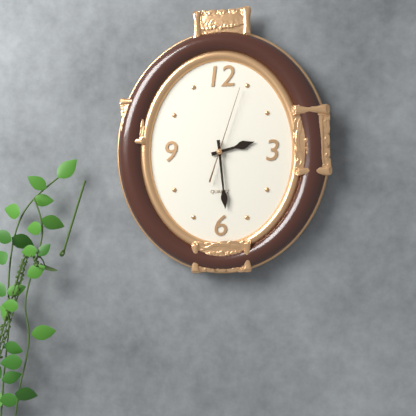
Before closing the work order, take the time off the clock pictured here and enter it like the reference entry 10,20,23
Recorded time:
2,29,03
